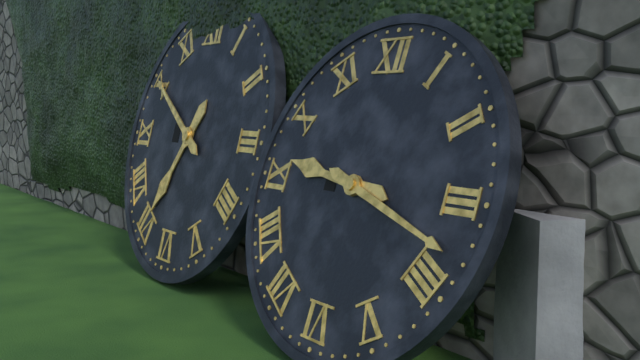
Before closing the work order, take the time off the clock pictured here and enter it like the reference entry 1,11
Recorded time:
9,18
